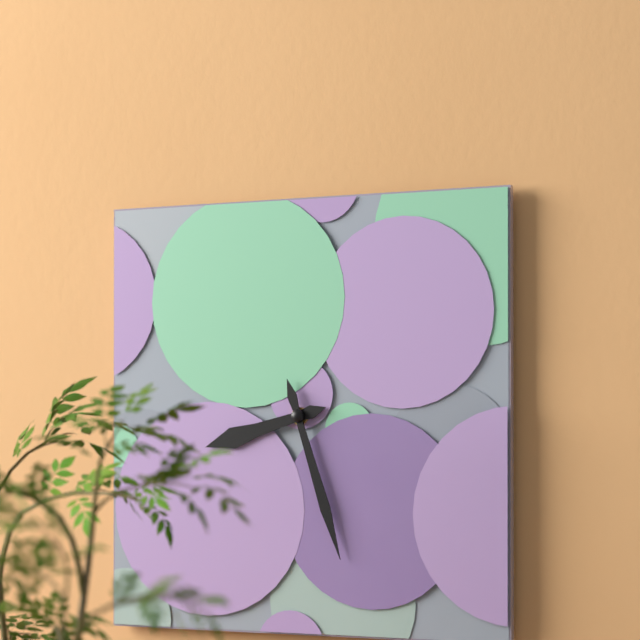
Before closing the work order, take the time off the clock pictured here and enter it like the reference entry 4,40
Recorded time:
8,27
